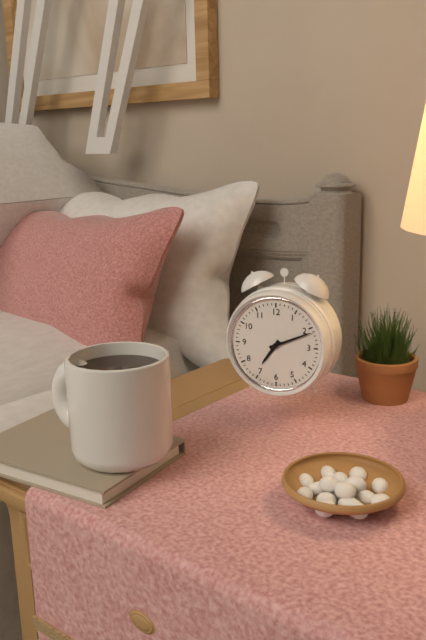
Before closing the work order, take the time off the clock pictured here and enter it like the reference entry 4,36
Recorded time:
7,11
